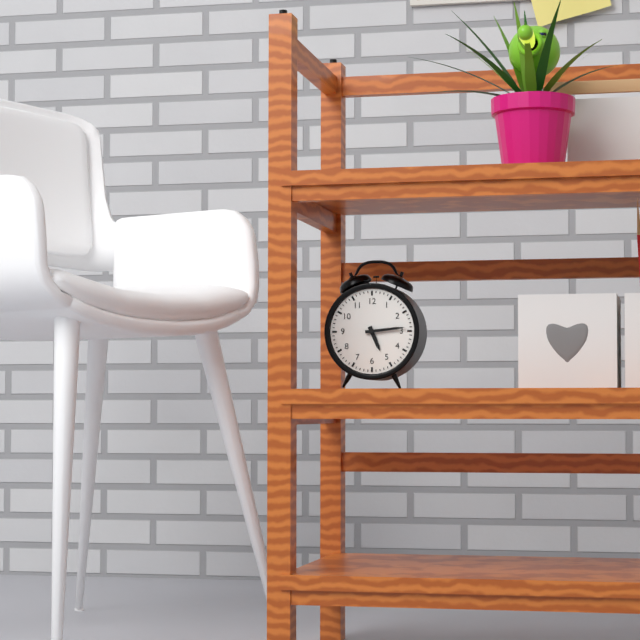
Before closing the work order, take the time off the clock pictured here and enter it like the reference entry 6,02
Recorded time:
5,14
